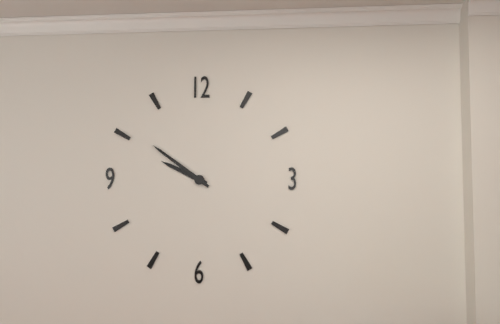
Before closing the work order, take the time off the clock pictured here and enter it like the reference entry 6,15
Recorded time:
9,51
